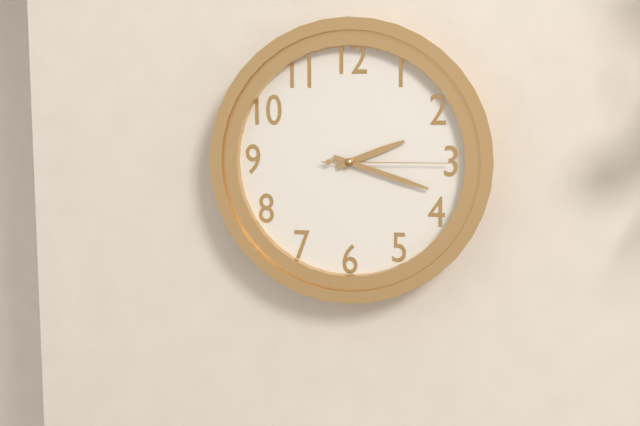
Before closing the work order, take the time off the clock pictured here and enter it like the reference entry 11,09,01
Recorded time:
2,18,15
